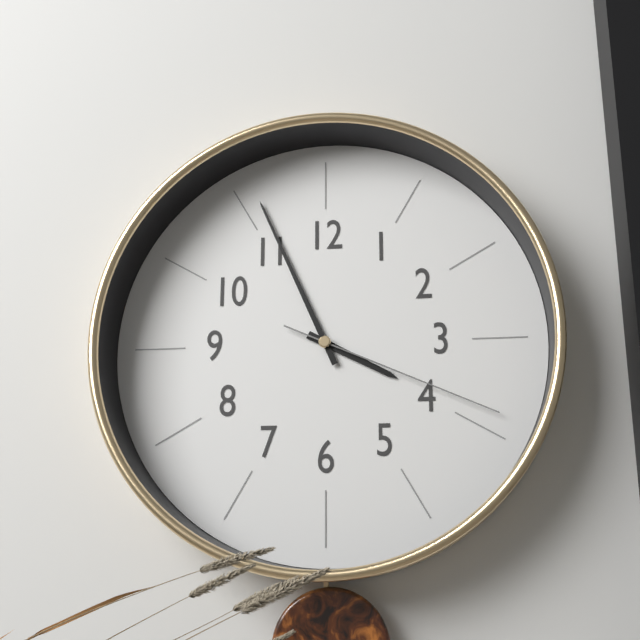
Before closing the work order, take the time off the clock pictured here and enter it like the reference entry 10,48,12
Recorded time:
3,56,19
